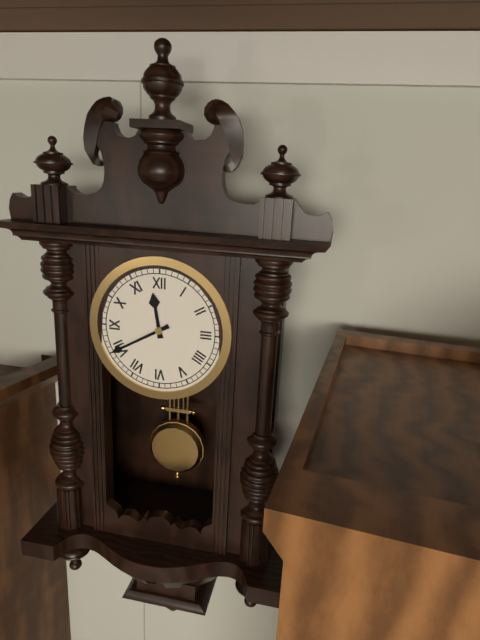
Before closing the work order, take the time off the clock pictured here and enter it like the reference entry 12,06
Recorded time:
11,40
